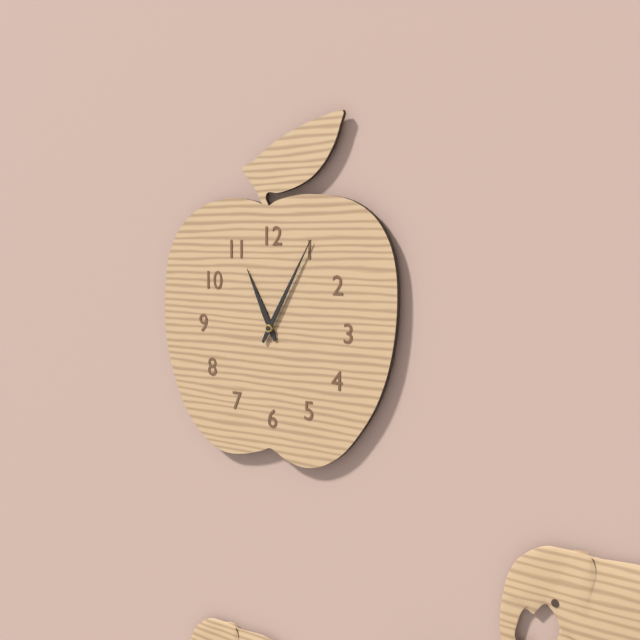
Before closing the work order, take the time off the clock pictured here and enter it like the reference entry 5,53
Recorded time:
11,05
